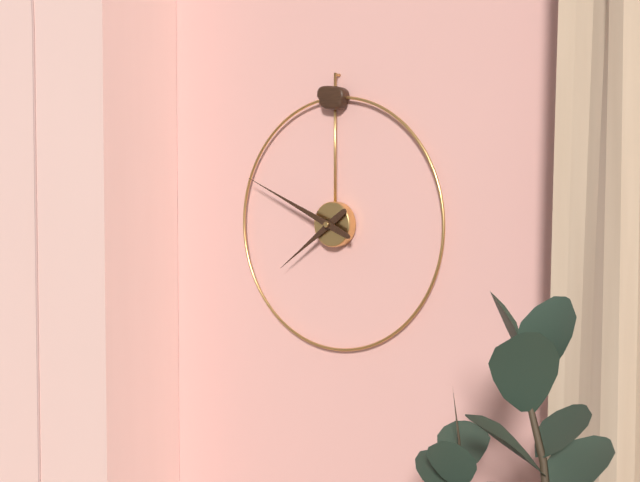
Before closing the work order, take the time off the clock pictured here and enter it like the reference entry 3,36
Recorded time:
7,49
